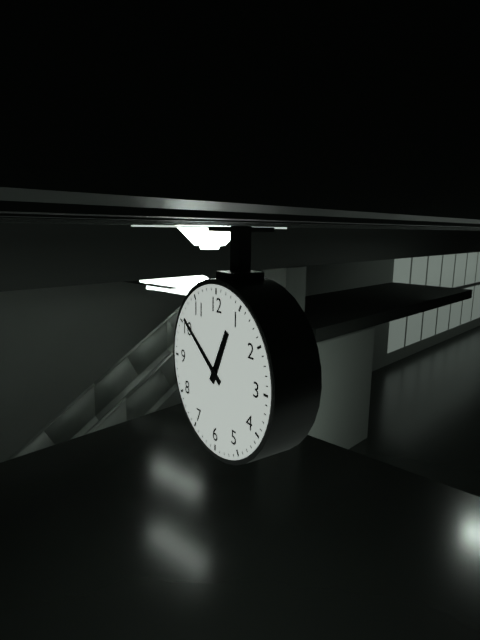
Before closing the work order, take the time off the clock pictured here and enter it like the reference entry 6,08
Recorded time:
12,51
